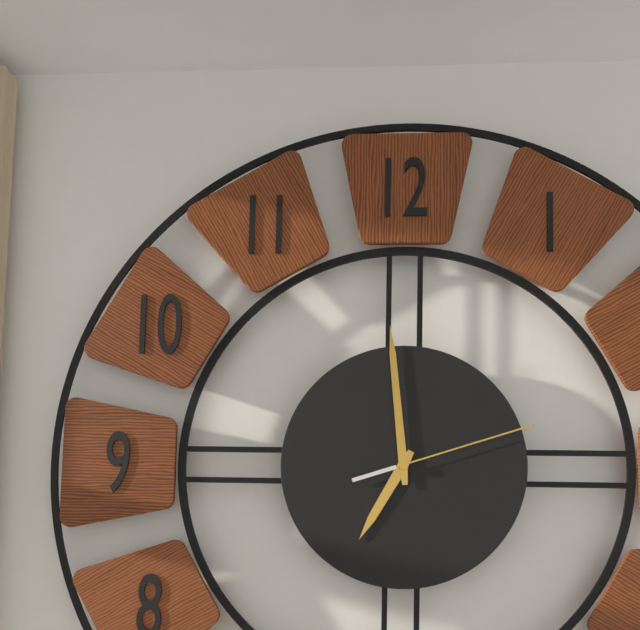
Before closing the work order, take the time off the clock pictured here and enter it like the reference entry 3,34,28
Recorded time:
6,59,12
